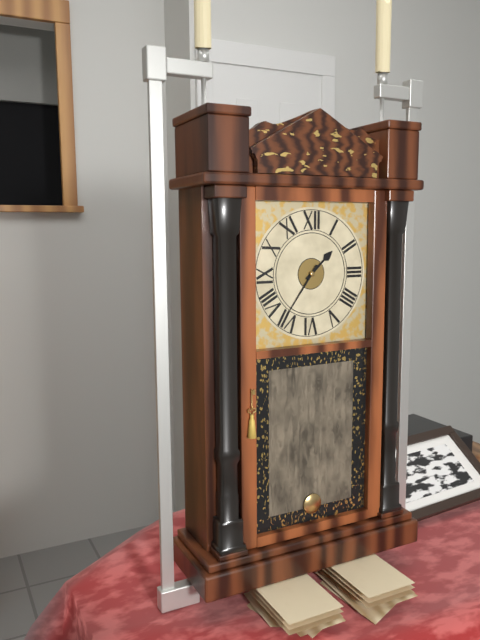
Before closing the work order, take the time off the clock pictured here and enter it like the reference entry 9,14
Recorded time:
1,36
